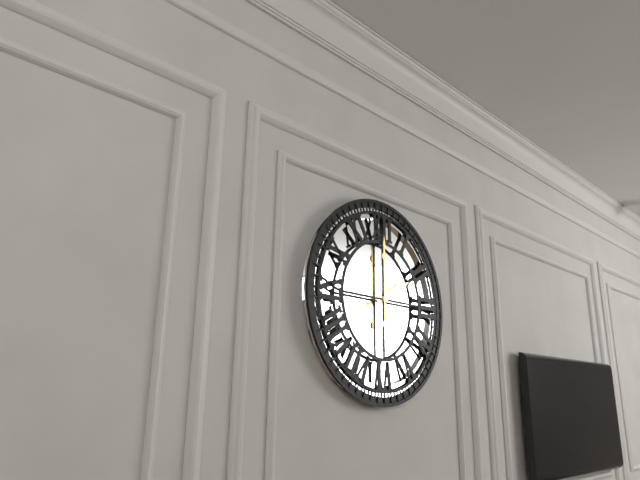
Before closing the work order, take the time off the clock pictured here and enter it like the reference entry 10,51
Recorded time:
2,00
